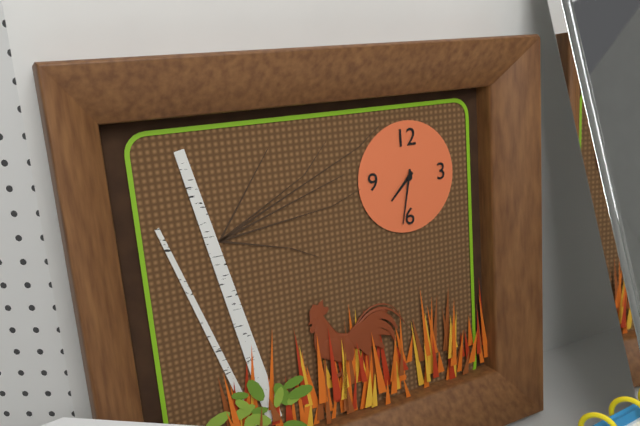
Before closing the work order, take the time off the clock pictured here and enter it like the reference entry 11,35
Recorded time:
7,32
